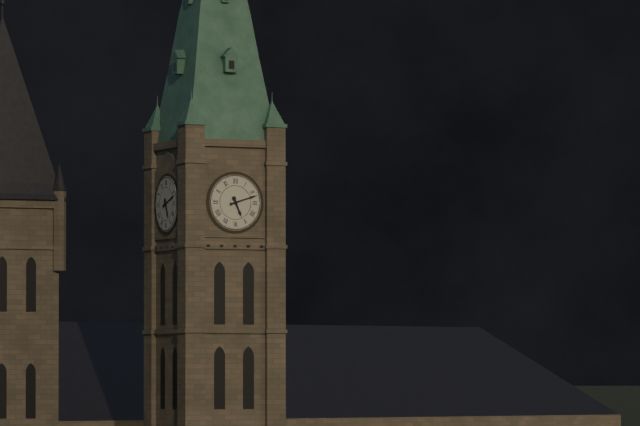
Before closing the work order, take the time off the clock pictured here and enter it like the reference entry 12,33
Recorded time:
5,12
